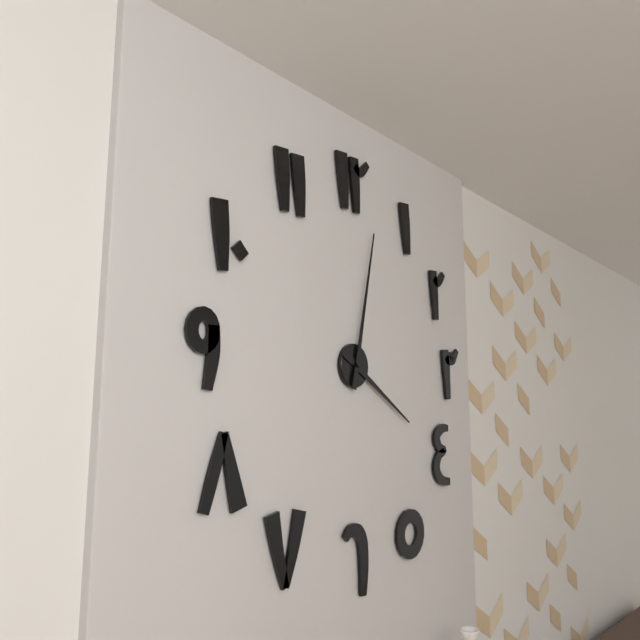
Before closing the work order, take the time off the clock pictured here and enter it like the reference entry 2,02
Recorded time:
4,02
